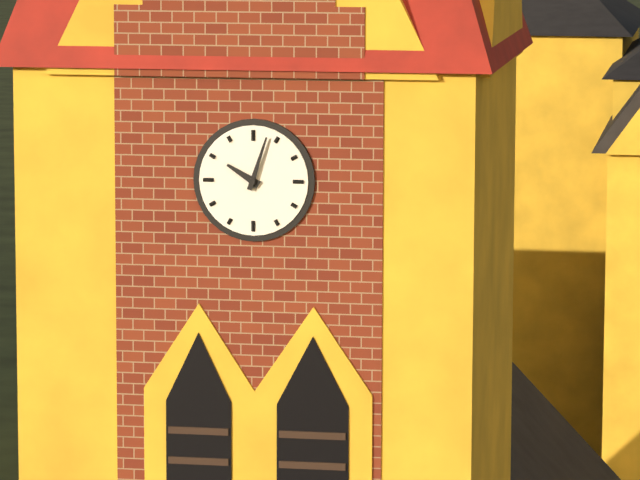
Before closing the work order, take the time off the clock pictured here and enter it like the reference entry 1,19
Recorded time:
10,03
